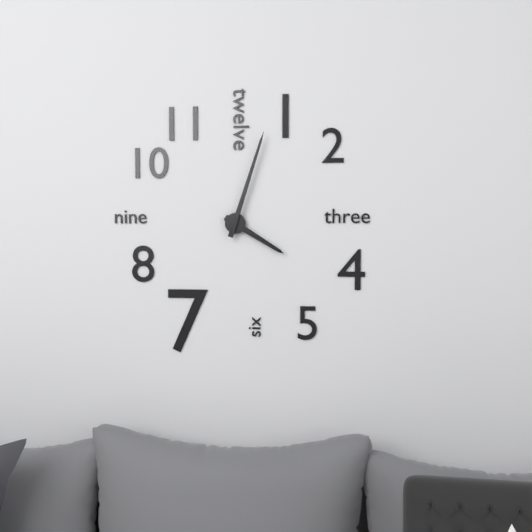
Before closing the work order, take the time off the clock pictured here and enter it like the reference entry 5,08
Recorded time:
4,03
